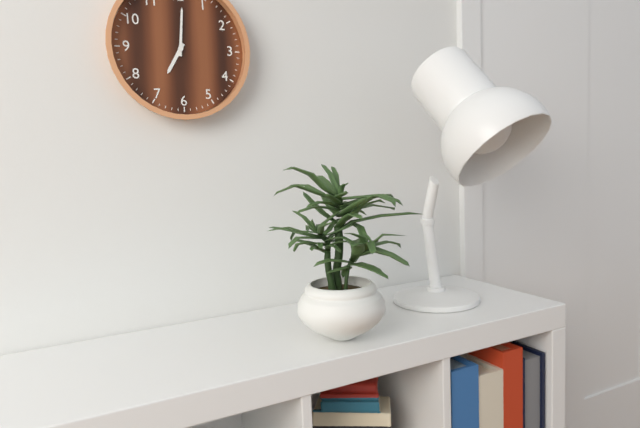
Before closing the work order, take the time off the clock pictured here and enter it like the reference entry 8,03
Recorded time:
7,01
